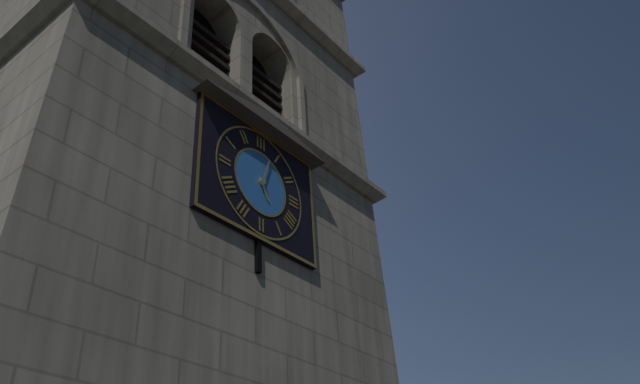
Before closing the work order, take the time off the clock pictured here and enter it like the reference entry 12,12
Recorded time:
5,03
